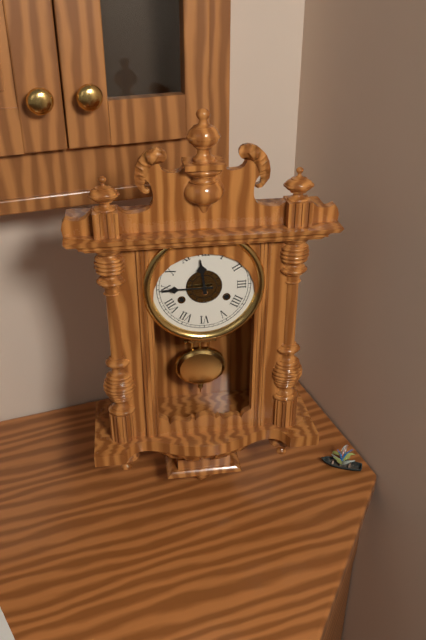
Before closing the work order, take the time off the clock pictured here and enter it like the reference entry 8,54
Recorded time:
11,45
